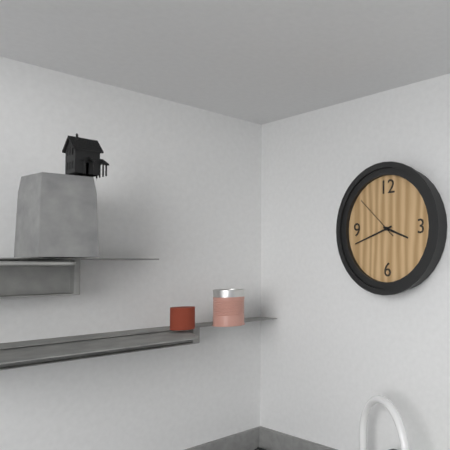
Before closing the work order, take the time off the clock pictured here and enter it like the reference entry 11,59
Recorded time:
3,42
